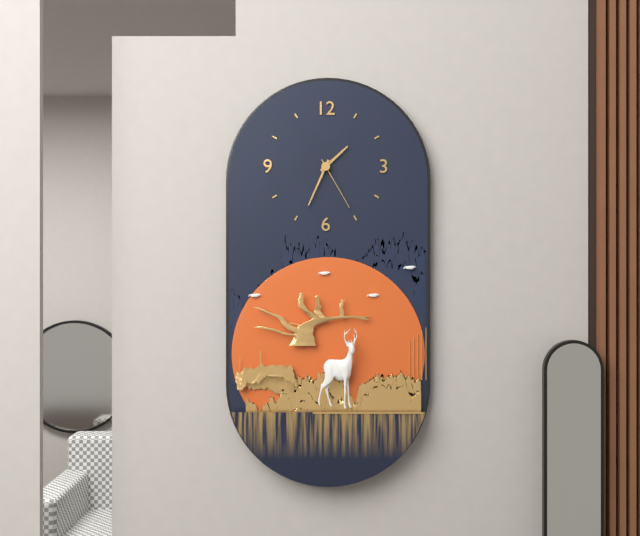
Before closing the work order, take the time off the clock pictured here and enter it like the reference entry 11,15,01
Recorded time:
1,34,25
